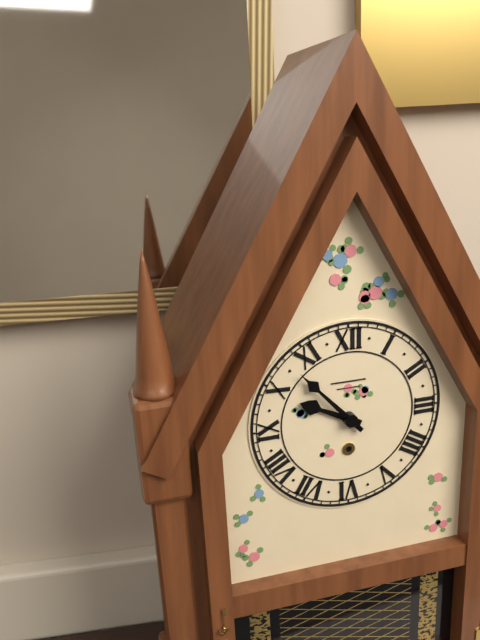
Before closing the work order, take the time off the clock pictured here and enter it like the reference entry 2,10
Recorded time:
9,53
